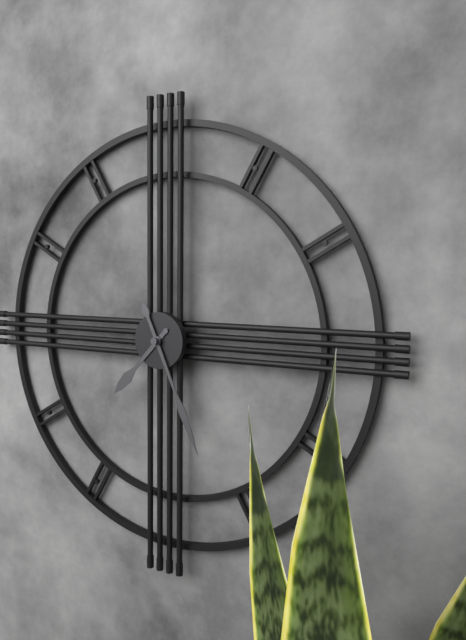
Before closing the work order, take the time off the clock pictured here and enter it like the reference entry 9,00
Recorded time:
7,26
